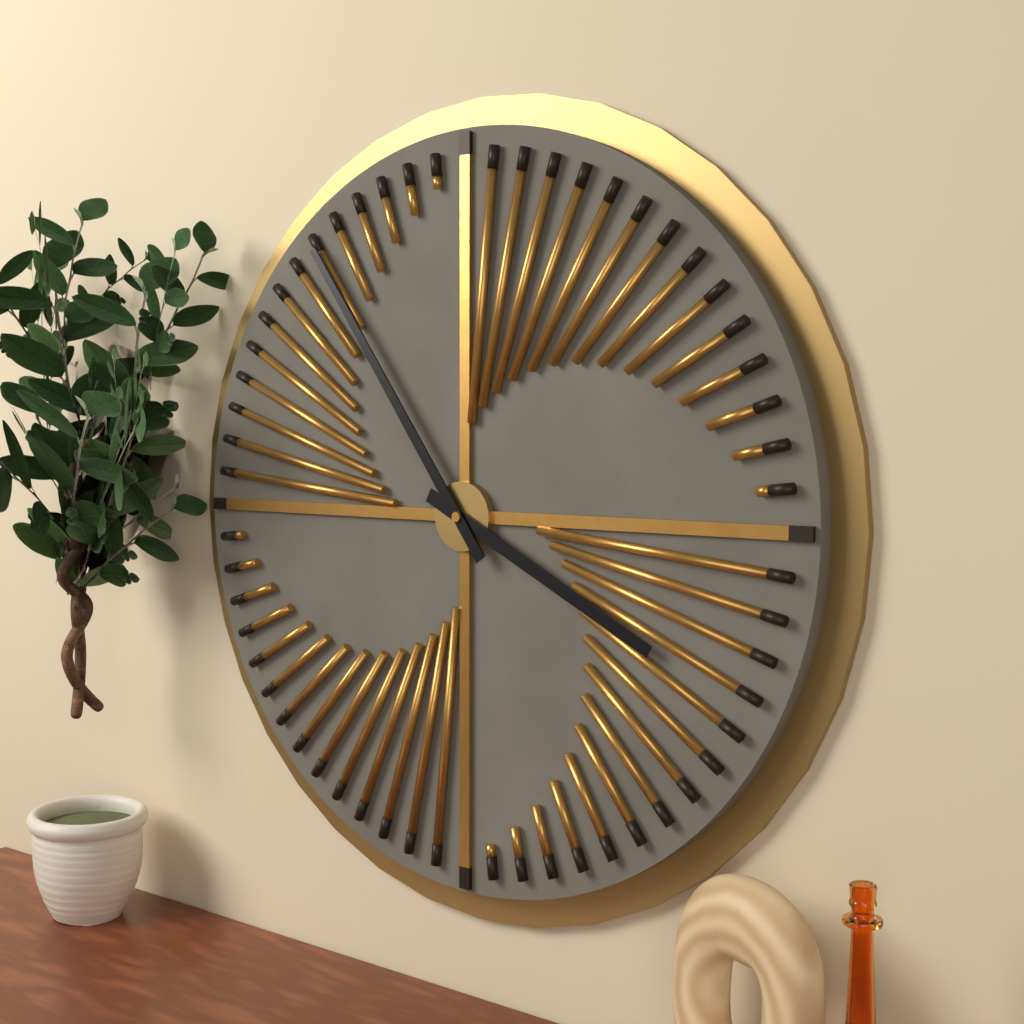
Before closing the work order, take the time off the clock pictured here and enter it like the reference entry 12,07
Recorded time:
3,54
